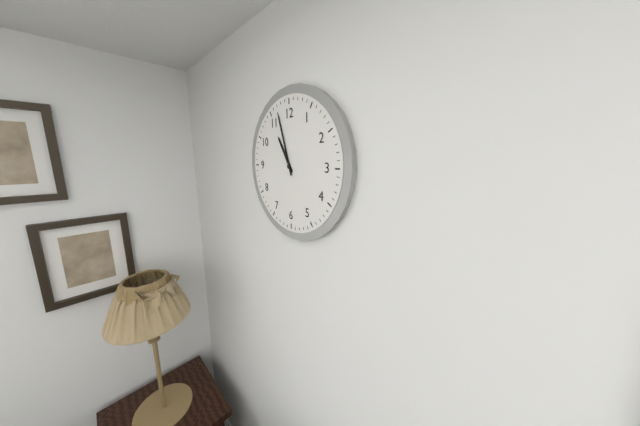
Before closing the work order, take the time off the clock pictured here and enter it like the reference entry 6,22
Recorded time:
10,57
